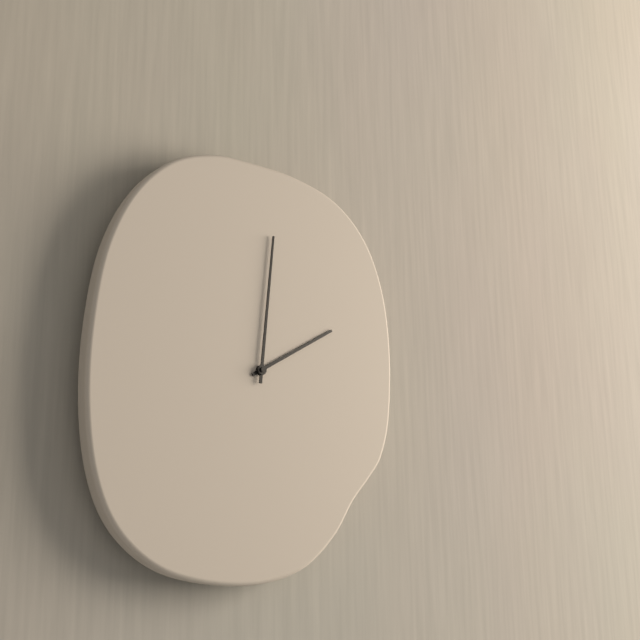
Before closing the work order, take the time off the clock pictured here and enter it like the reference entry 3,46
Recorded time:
2,01
